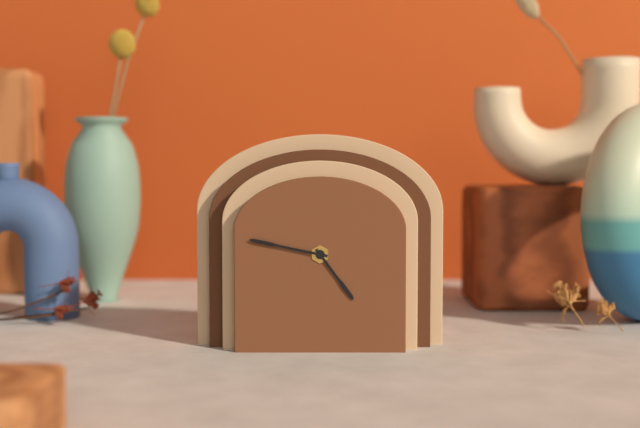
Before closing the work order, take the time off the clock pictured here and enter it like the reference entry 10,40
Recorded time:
4,47
